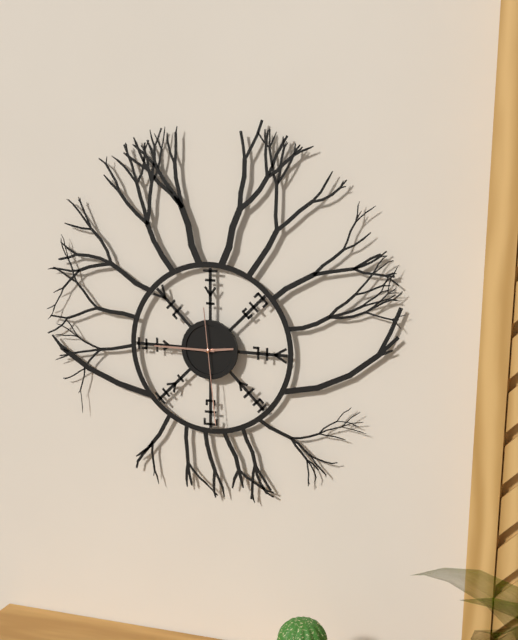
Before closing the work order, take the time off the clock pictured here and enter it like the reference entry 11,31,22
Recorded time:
2,45,29
